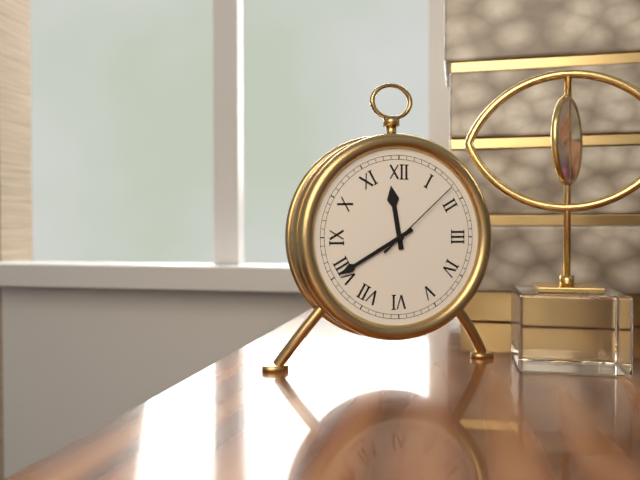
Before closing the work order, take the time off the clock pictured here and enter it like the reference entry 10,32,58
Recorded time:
11,40,08
